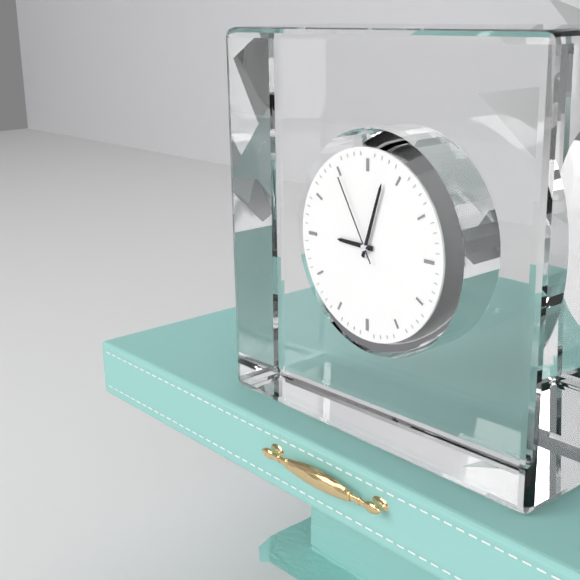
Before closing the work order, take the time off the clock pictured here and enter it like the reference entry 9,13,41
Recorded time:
9,03,55
